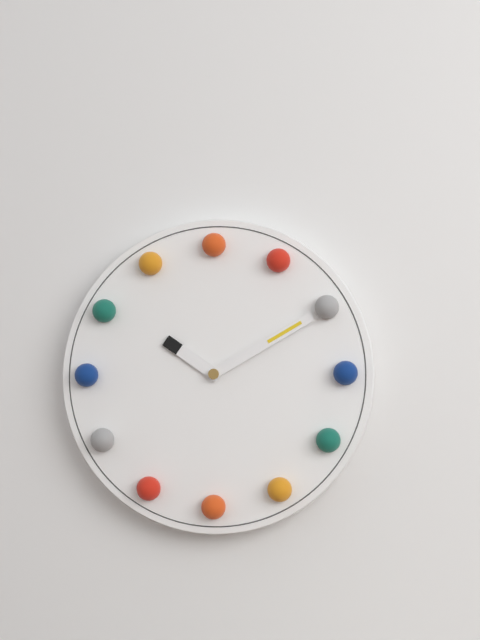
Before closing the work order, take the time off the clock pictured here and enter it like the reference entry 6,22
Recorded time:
10,10
